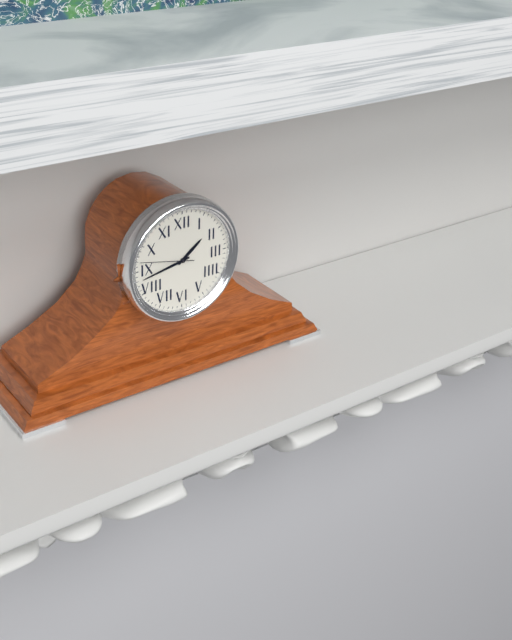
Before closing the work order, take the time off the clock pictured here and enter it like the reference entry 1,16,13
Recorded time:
1,43,47
